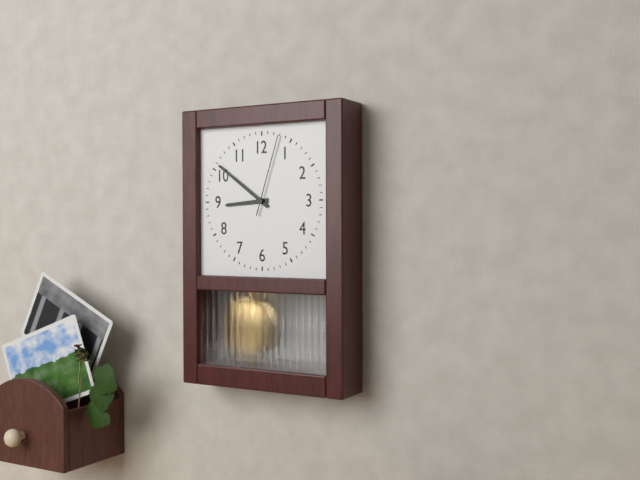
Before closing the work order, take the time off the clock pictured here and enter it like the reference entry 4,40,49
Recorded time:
8,51,03
